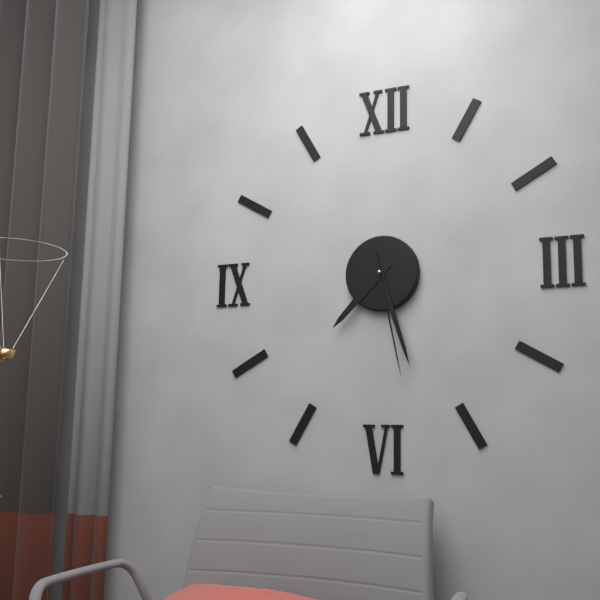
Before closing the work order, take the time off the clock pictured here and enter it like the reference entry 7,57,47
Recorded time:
7,27,28
